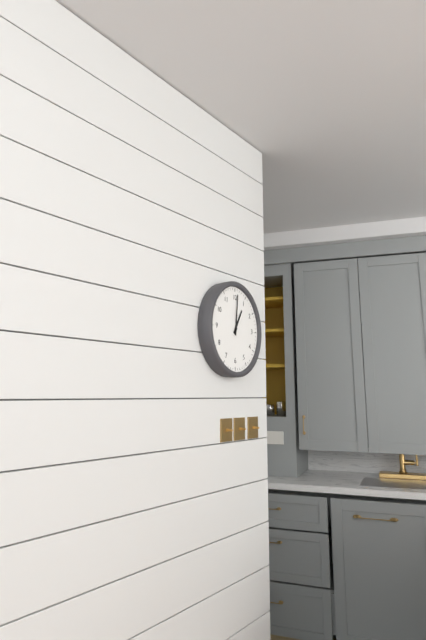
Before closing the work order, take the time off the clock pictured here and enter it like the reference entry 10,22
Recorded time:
1,01
